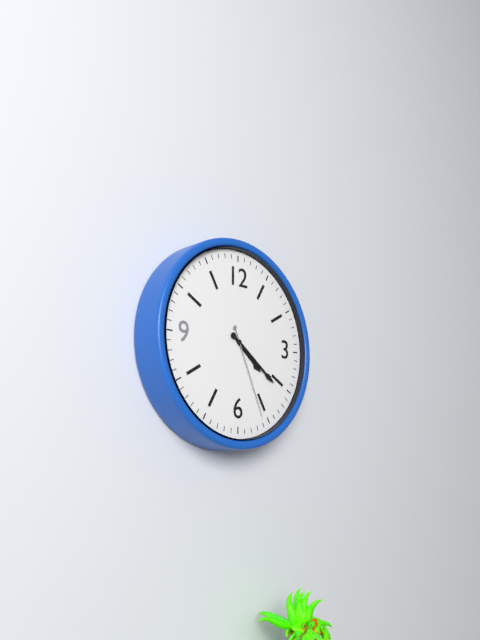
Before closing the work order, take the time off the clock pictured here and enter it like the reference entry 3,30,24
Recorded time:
4,21,26
